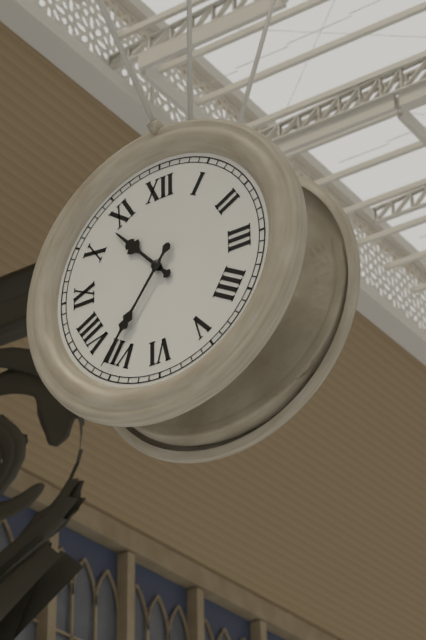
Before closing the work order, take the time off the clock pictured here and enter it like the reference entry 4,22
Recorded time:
10,36
